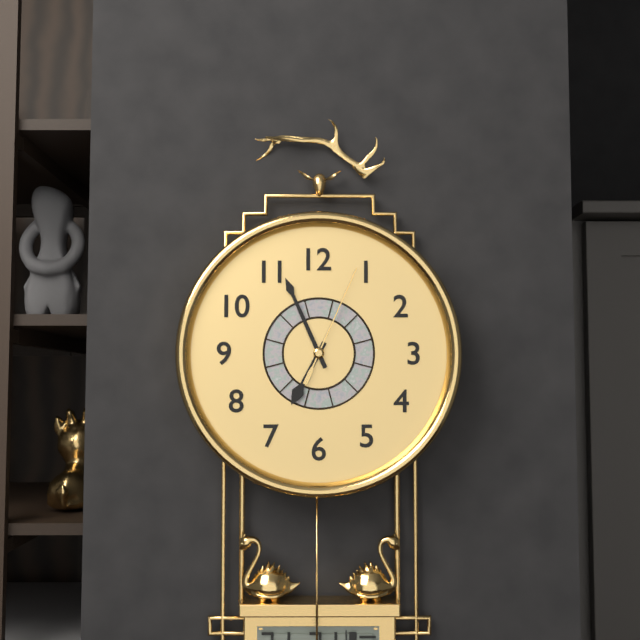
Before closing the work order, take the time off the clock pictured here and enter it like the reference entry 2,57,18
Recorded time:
6,56,04
